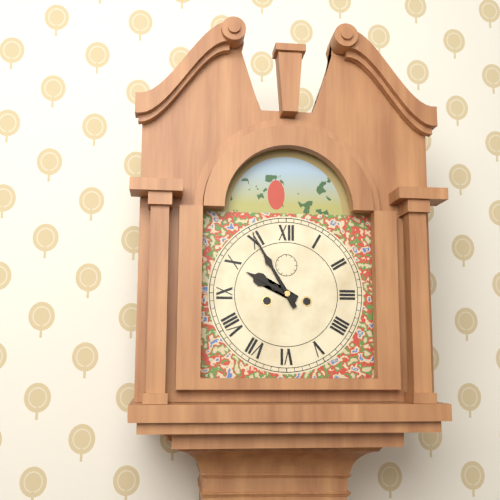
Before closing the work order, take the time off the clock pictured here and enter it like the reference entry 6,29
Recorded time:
9,55
